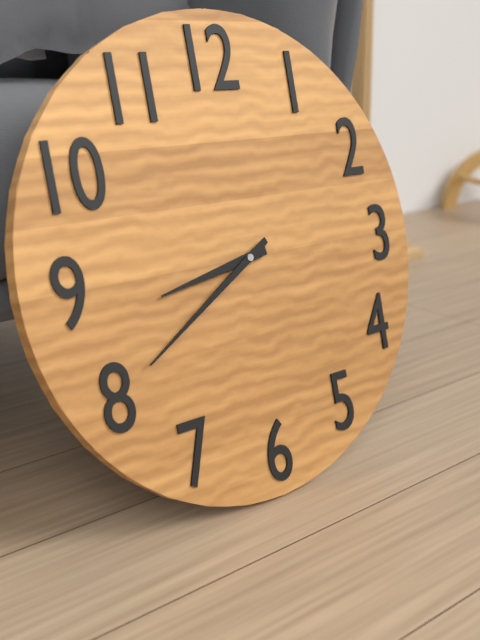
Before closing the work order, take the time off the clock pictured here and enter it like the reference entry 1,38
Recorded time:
8,40
